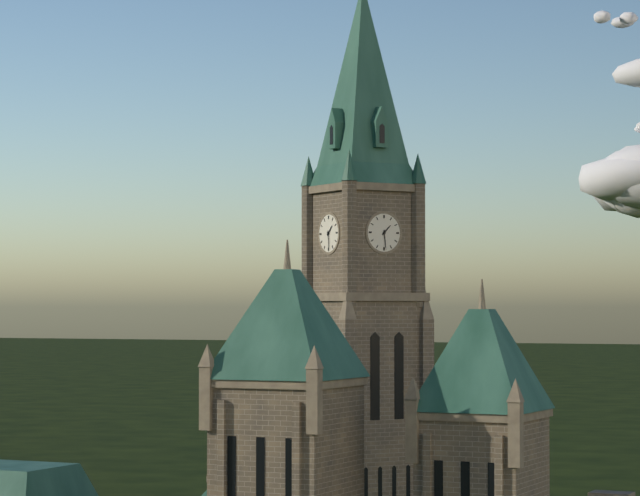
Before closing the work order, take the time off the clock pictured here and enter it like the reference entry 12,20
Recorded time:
1,29
